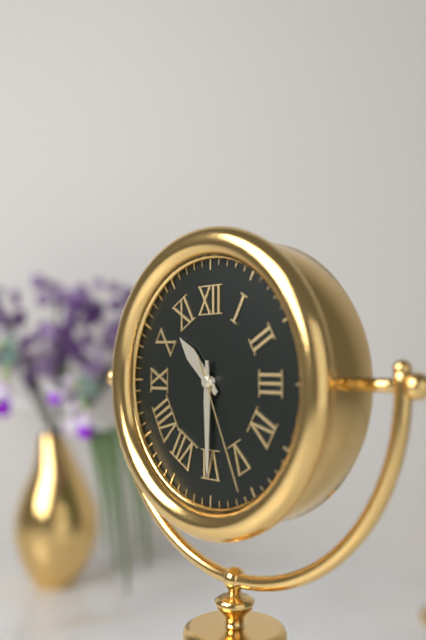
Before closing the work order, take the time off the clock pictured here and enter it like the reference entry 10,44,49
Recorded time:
10,30,26
